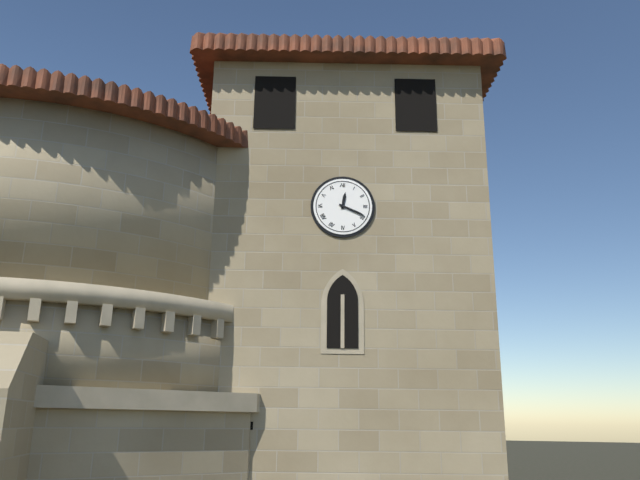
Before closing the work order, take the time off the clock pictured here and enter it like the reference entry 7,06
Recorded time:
12,19
